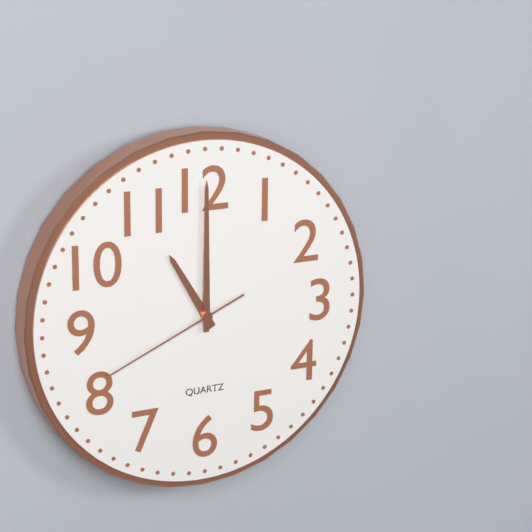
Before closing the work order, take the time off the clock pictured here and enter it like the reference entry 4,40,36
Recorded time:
11,00,41
